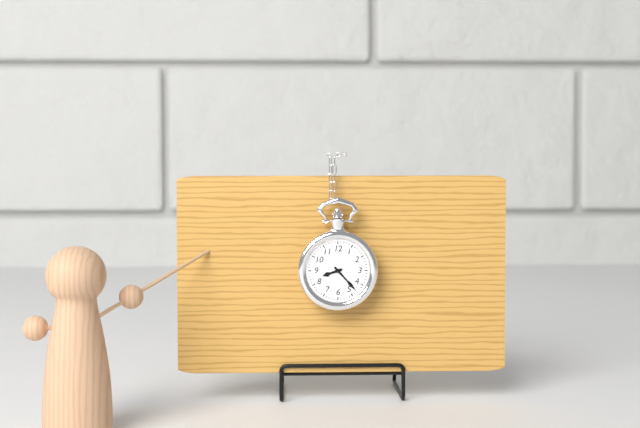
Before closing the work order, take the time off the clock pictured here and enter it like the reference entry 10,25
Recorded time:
8,23
